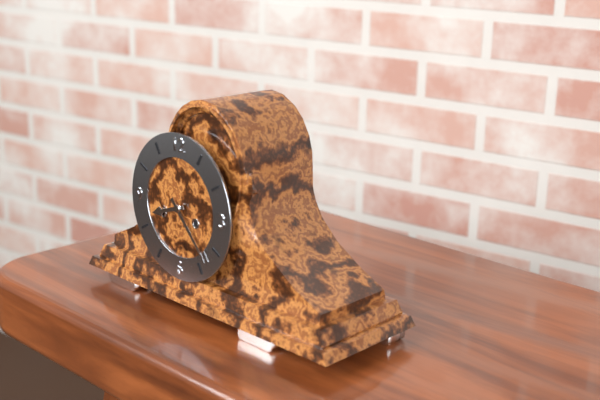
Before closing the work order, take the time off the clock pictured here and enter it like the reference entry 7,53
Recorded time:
8,23
